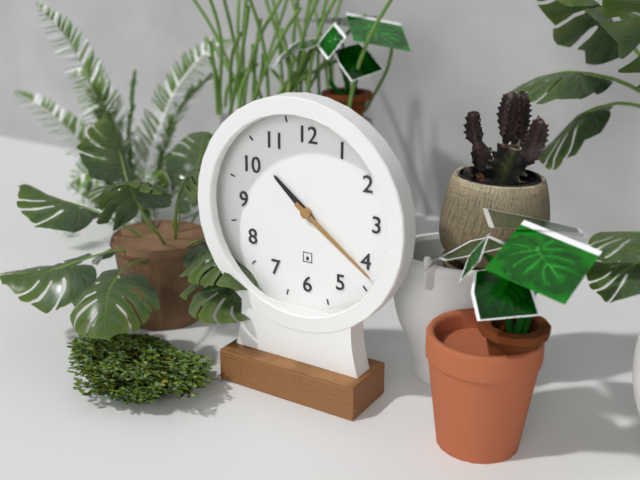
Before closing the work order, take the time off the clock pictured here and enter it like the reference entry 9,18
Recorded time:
10,21
